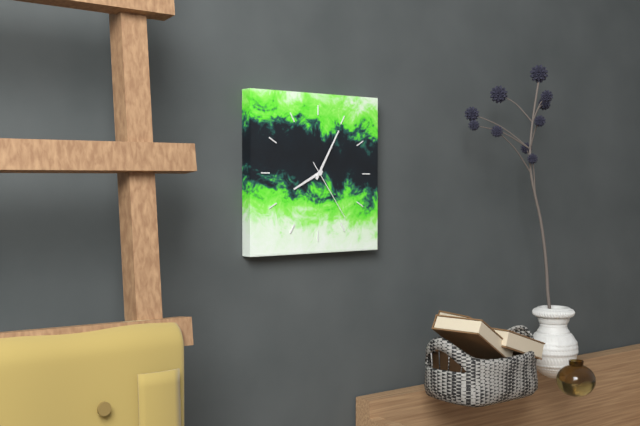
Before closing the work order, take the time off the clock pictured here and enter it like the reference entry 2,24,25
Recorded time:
8,05,24
